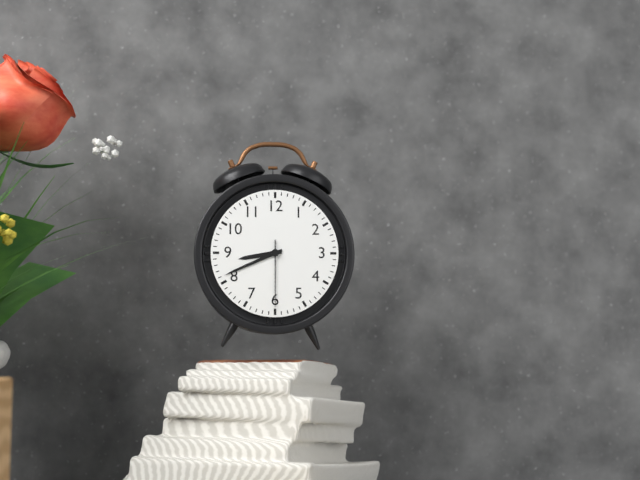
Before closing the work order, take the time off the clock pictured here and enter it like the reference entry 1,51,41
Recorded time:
8,41,30
